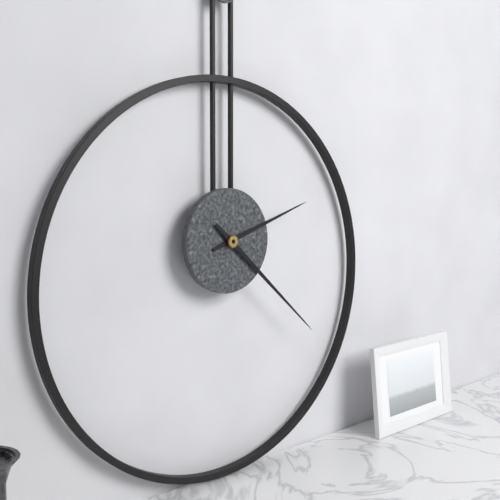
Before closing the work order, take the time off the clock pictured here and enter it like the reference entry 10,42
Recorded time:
2,22
